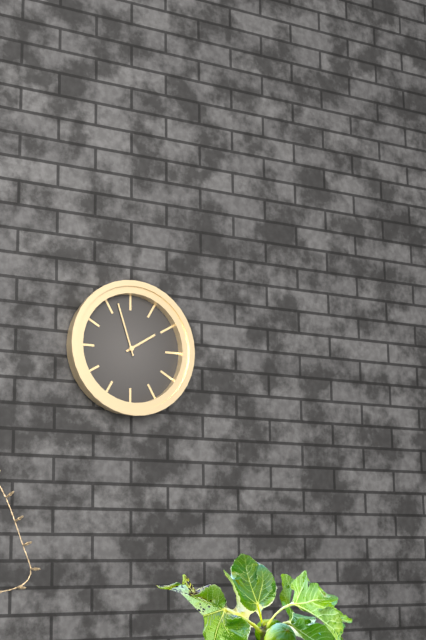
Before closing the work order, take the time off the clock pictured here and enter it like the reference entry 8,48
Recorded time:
1,57
